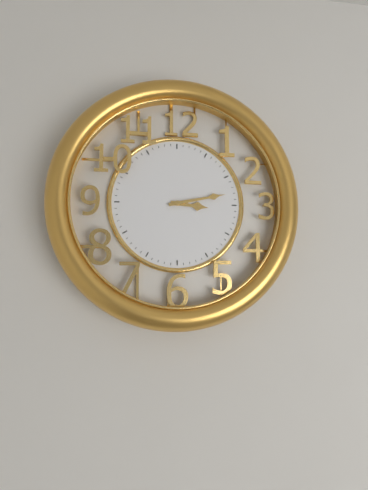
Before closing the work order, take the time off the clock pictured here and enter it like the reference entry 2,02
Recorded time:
3,13
